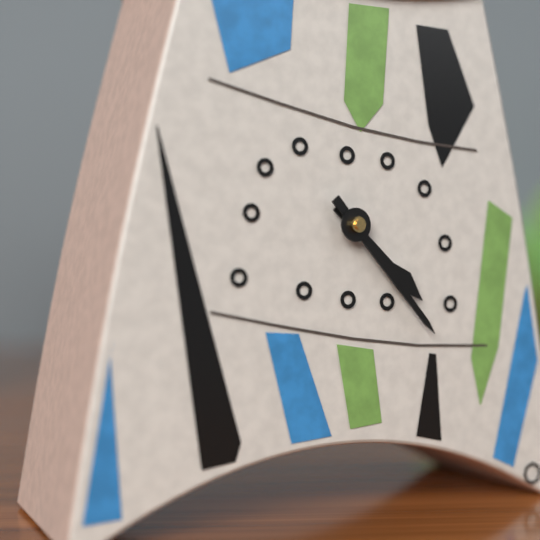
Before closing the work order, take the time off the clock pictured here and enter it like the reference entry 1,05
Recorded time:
4,23
